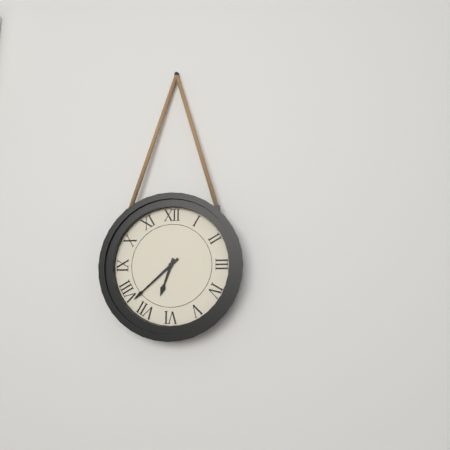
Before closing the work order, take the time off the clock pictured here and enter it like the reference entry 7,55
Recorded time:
6,38
